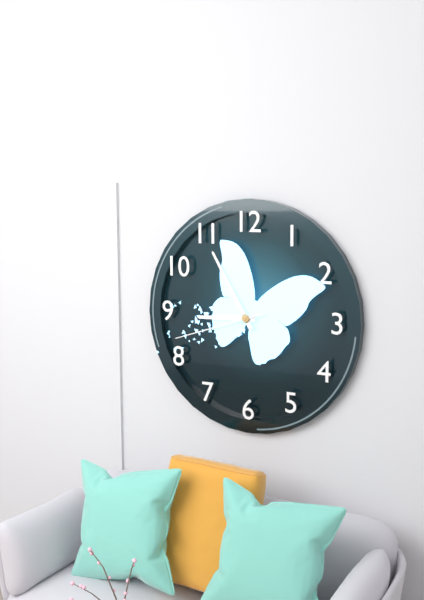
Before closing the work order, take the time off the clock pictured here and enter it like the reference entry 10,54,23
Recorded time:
8,55,42
